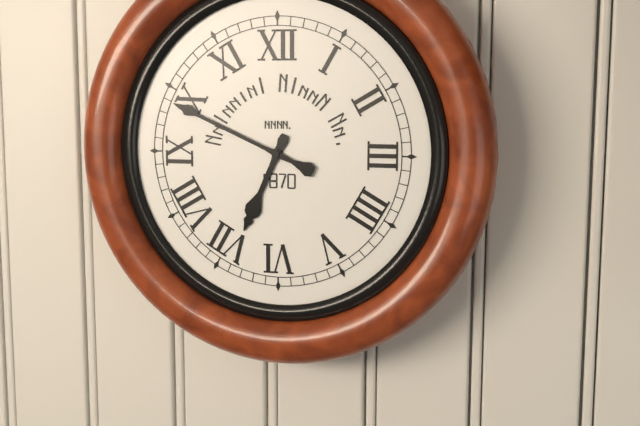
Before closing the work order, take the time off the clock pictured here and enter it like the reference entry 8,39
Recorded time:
6,49
